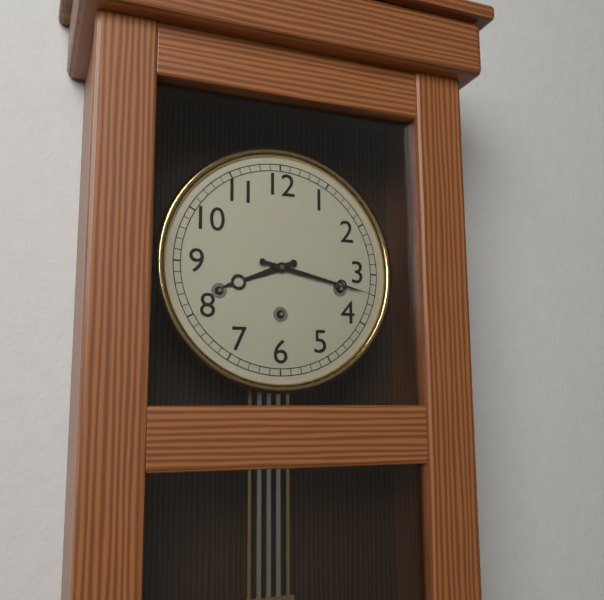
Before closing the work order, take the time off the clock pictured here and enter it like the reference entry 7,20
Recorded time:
8,17
